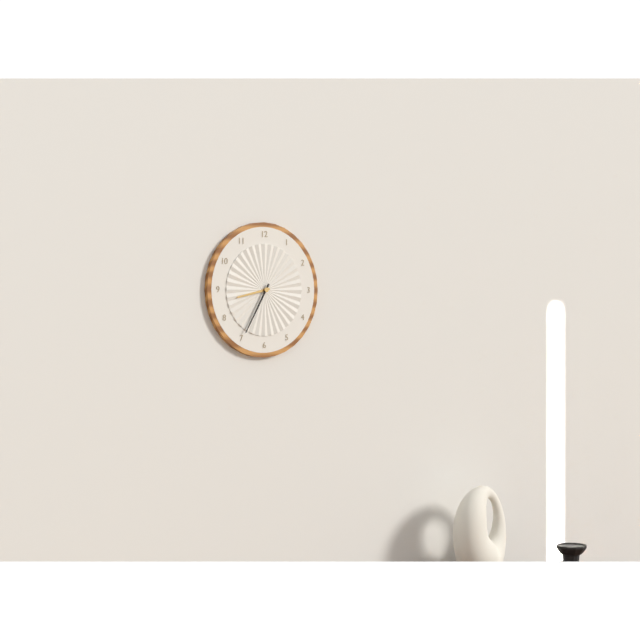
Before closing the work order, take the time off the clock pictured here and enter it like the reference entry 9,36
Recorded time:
8,35
